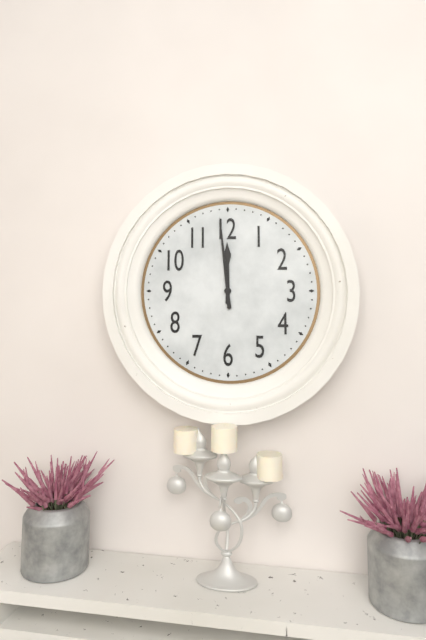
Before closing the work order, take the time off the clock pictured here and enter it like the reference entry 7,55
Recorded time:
11,59
